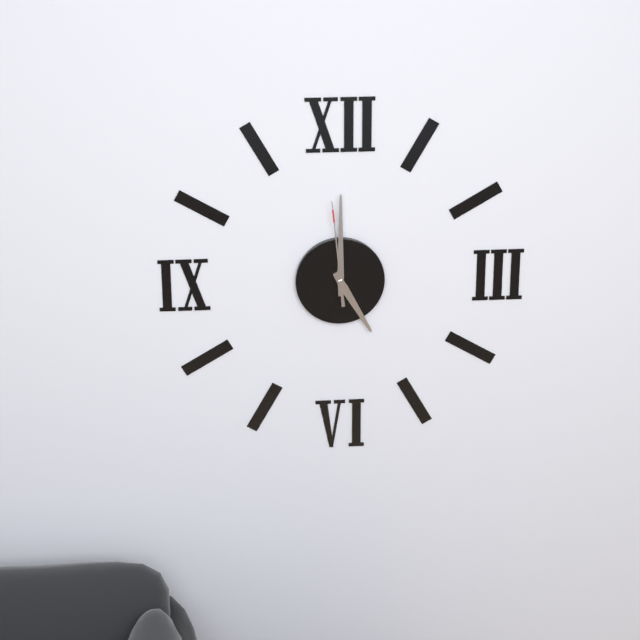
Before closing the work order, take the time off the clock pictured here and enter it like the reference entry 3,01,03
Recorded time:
5,00,59
